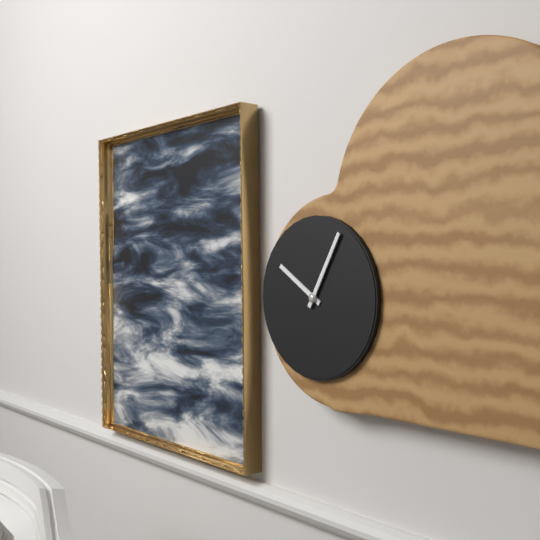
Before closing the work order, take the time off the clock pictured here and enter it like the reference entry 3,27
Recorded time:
10,05
